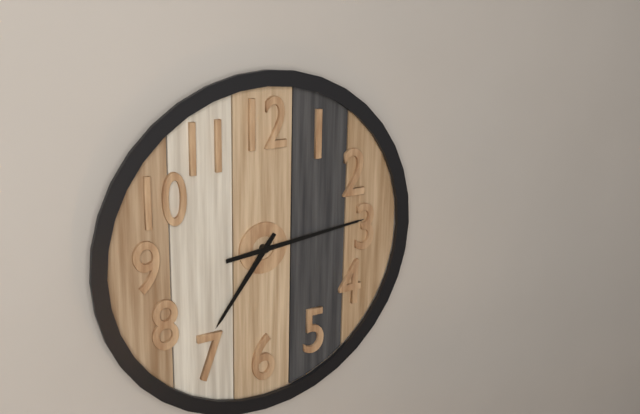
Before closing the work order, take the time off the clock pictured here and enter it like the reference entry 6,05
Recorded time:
7,14
